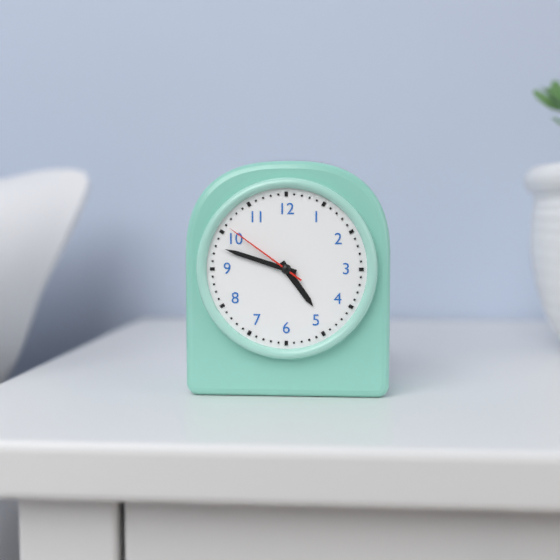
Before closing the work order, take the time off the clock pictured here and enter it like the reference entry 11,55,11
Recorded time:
4,48,51
